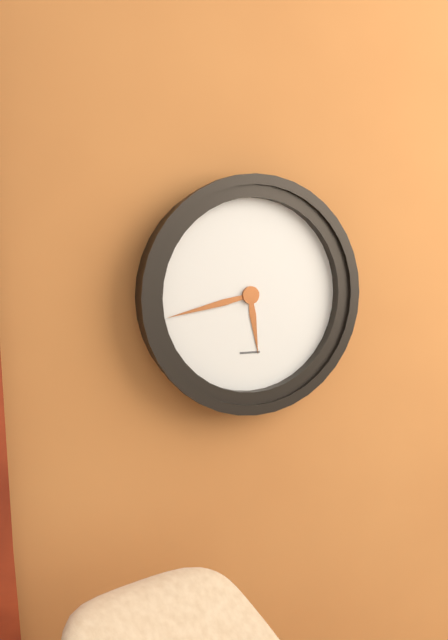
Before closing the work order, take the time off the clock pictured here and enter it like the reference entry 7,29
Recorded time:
5,43
